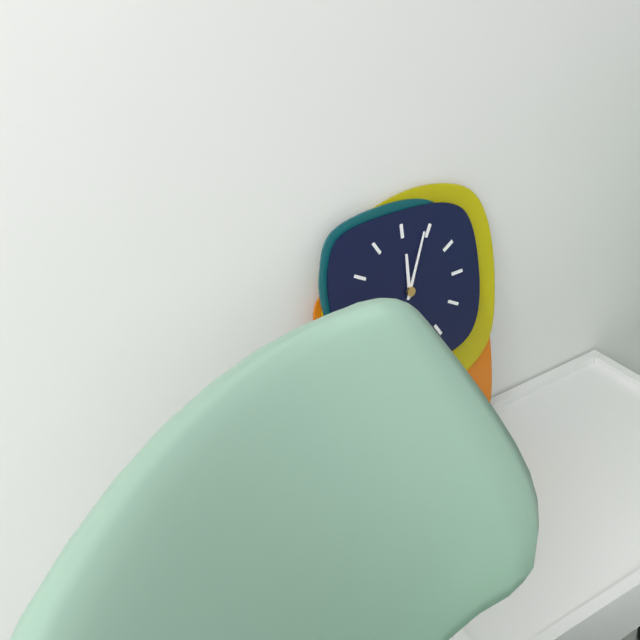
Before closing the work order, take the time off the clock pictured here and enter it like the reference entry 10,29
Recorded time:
12,04
